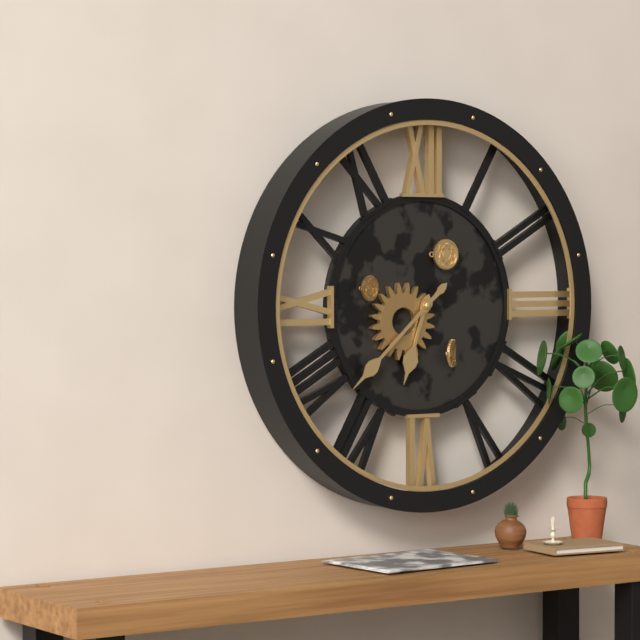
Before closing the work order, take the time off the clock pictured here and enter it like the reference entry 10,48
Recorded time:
6,38
